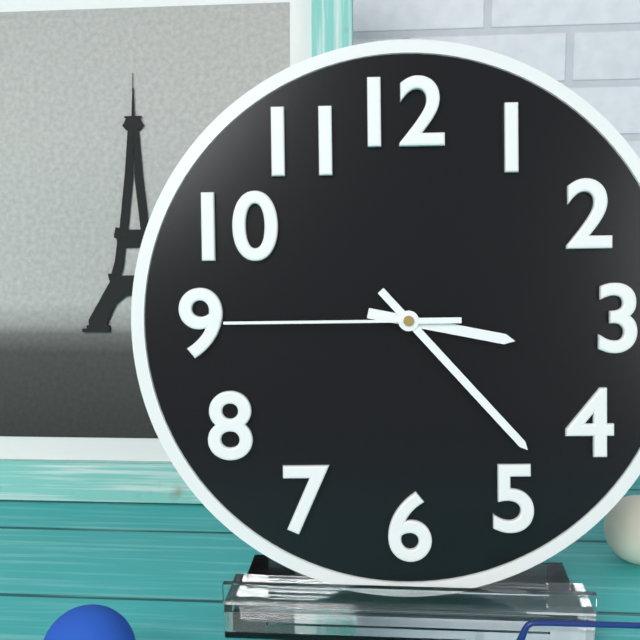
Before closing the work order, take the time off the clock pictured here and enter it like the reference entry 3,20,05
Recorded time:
3,23,45
